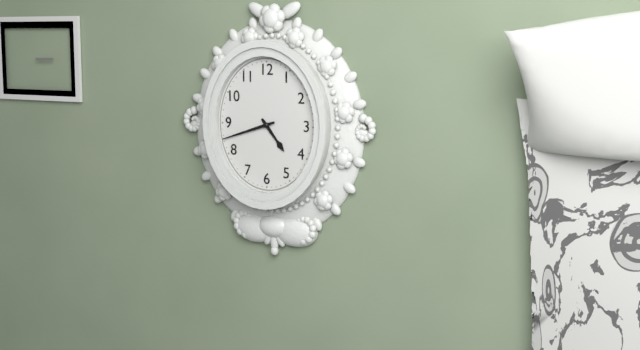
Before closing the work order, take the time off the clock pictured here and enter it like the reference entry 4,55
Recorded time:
4,42
